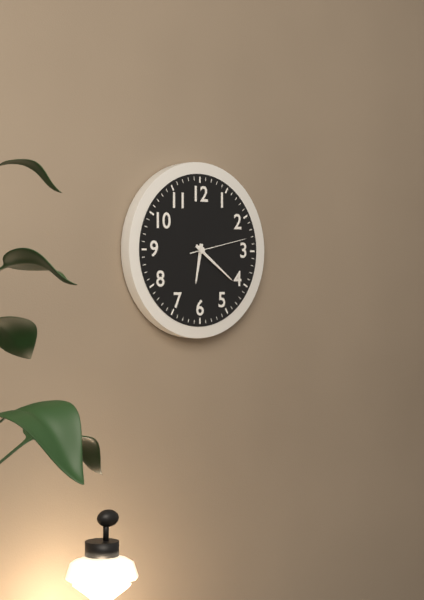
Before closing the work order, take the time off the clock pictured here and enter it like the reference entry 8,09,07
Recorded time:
6,21,13
